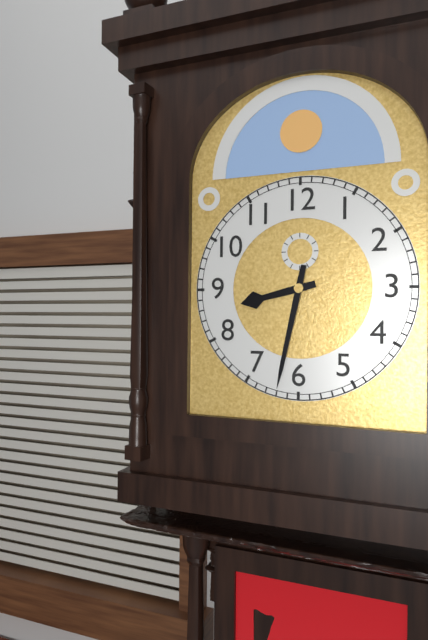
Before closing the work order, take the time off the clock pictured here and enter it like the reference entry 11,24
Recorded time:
8,32
